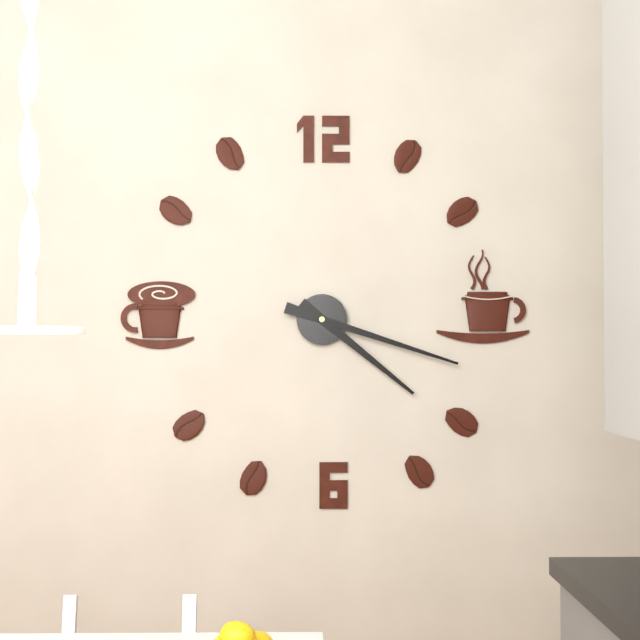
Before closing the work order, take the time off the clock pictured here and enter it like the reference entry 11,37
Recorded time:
4,18
